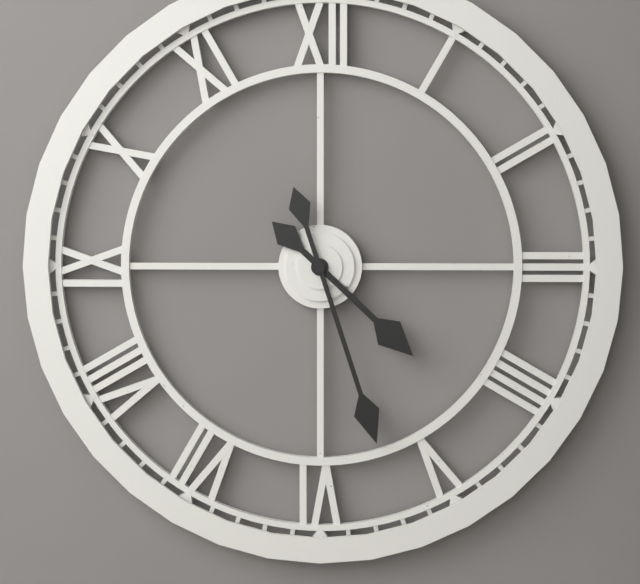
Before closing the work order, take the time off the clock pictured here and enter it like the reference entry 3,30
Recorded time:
4,27
